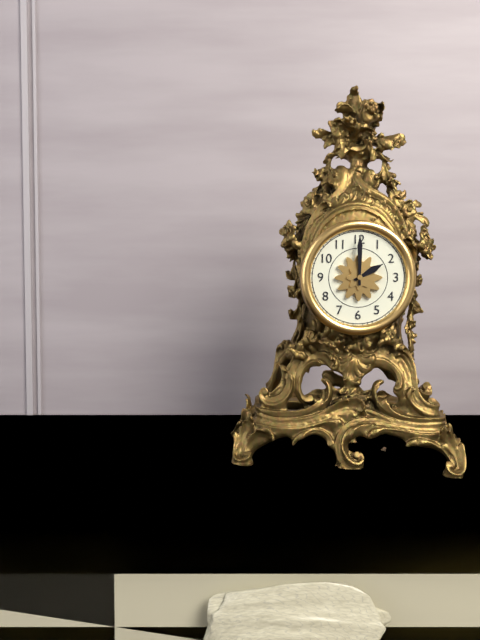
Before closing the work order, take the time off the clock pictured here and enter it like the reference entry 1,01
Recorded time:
2,00
